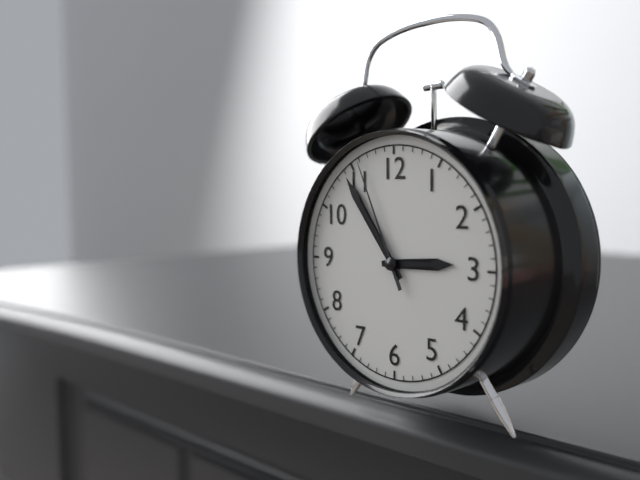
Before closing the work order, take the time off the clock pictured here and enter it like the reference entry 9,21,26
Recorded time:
2,54,56
